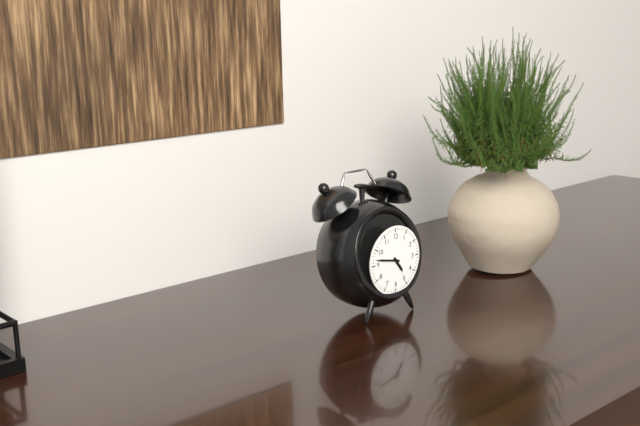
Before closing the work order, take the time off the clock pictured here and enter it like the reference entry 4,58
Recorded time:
4,47
